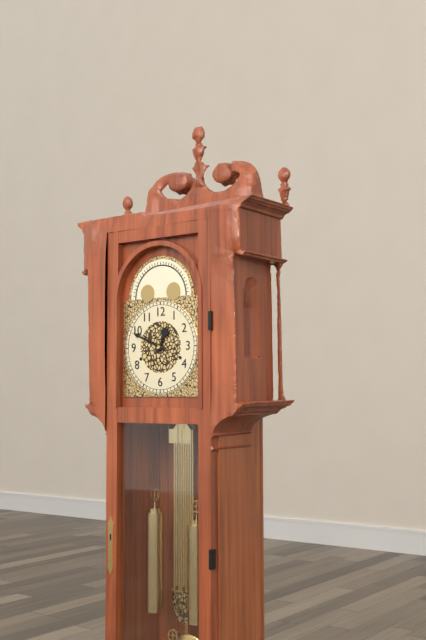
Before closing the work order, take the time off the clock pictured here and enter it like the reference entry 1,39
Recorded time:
12,49
